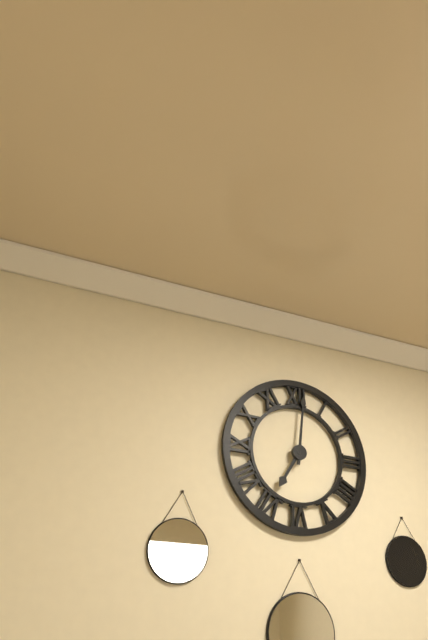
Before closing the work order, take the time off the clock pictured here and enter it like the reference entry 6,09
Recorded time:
7,01
